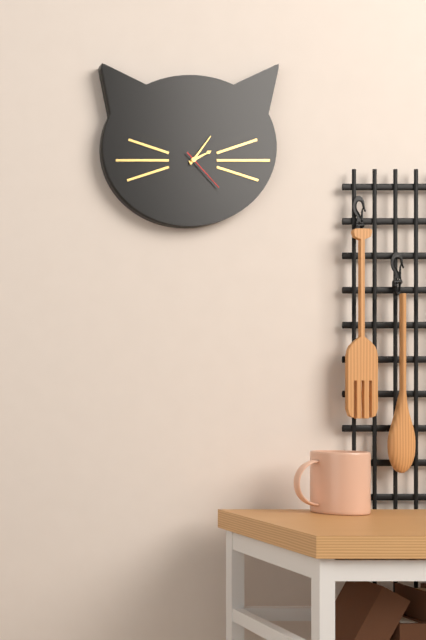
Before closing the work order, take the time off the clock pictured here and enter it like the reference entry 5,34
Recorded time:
2,06
